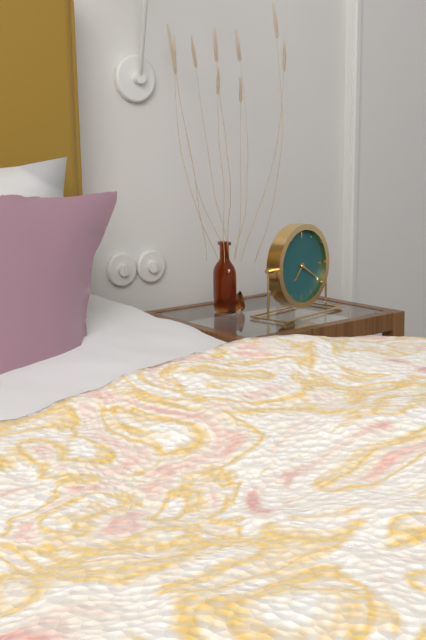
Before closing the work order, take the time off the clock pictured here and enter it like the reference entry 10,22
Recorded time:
7,20
